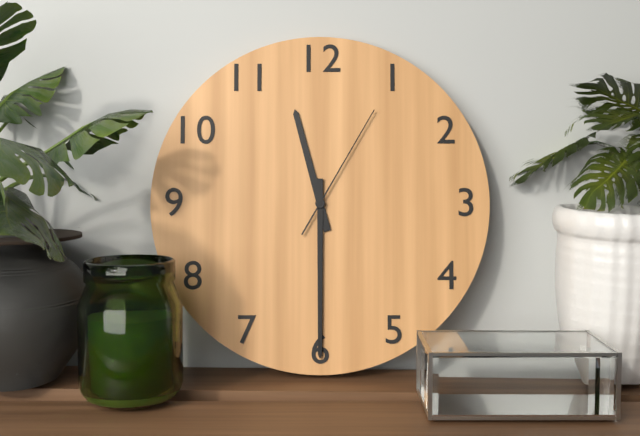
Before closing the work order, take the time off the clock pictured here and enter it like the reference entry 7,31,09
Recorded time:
11,30,05
